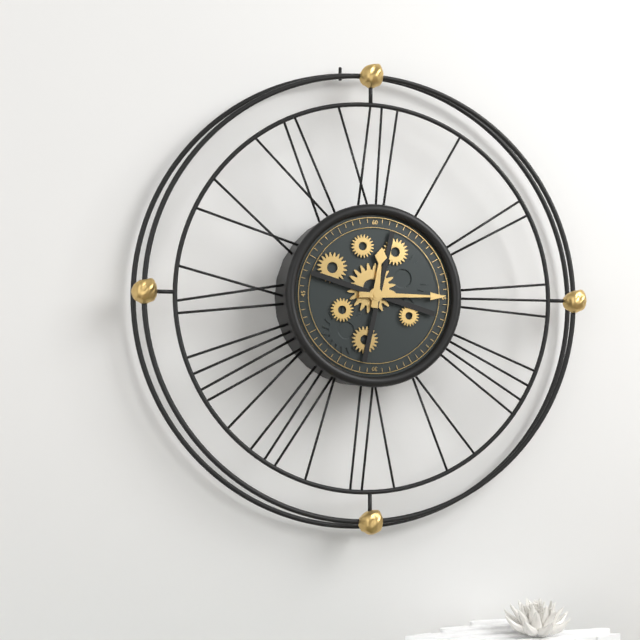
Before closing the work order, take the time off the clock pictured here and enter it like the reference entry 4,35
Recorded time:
12,15
